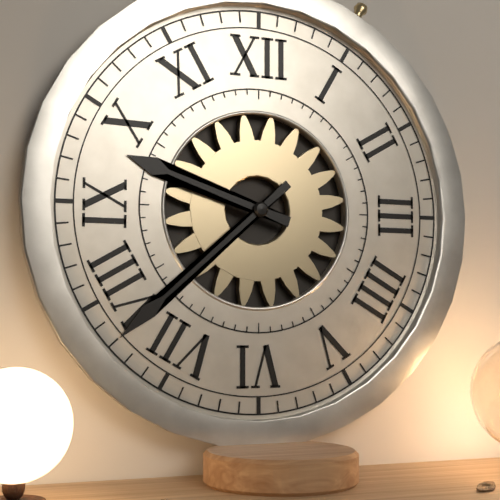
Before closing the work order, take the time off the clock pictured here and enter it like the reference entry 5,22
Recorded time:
9,38
